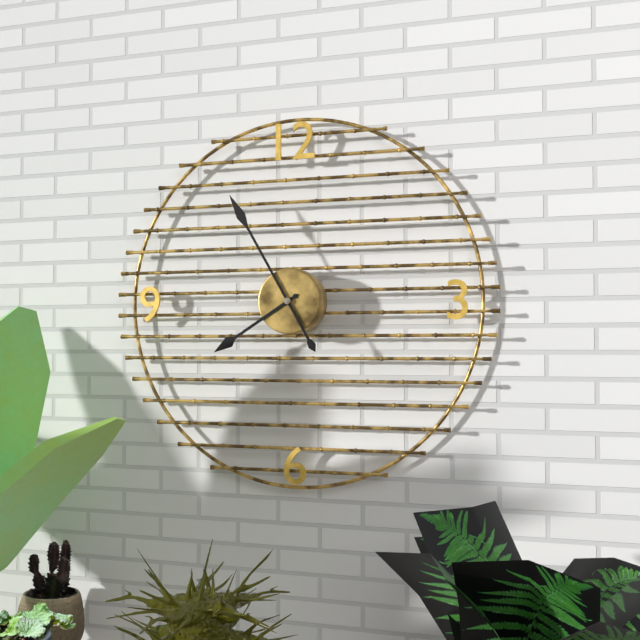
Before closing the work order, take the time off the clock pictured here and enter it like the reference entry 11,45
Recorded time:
7,55
